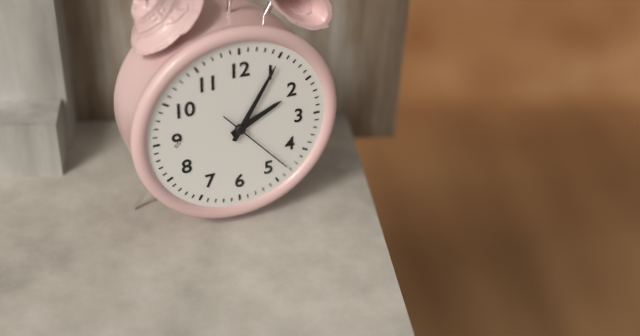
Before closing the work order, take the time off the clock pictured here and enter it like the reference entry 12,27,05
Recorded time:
2,05,23
